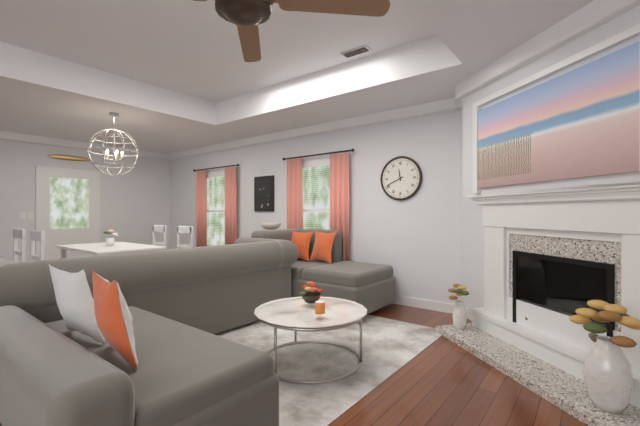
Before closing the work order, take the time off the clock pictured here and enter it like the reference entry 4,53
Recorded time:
11,41
